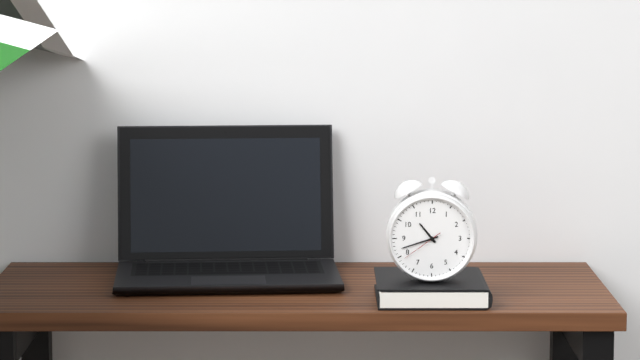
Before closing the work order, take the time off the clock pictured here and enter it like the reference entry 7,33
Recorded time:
10,42
